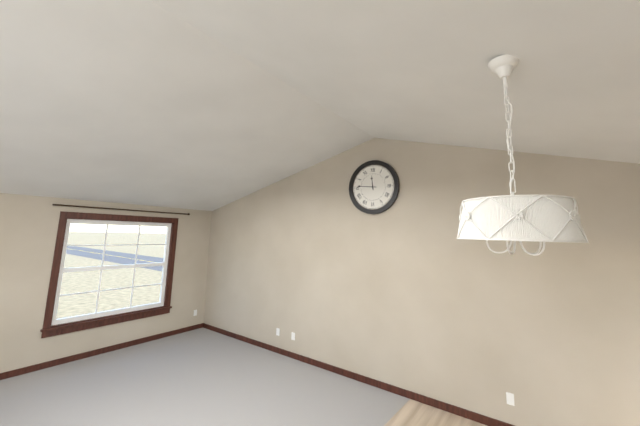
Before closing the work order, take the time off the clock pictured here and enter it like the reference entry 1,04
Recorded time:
11,46
